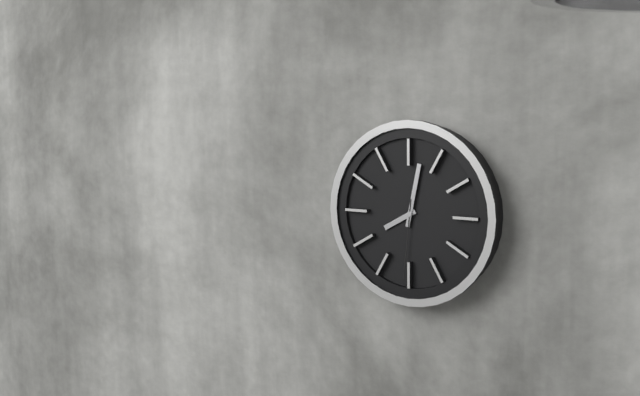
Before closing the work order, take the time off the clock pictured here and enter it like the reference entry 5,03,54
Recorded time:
8,02,31
